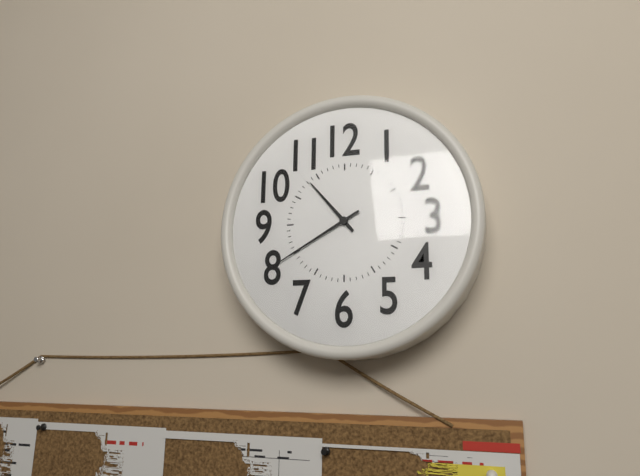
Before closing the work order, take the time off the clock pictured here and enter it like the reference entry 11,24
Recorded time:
10,40
